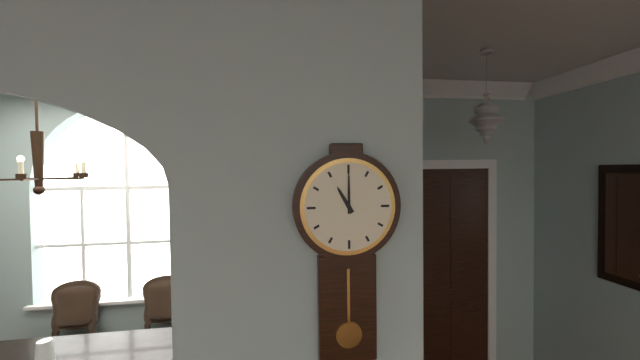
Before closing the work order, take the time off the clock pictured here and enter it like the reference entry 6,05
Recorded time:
11,00
